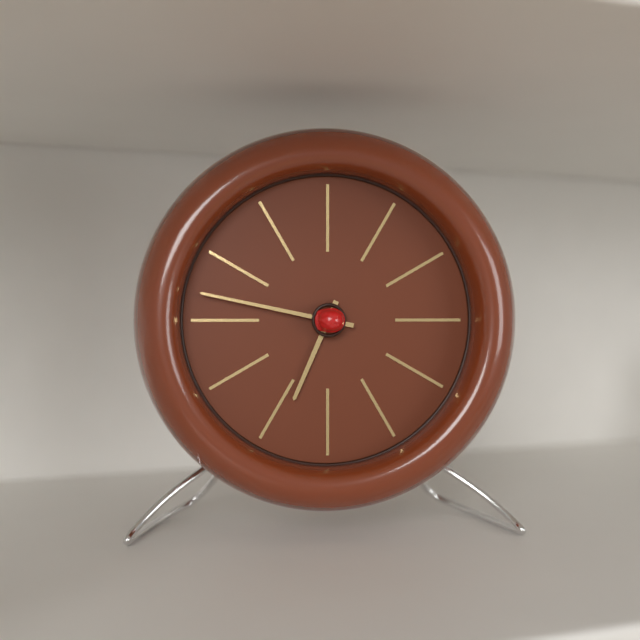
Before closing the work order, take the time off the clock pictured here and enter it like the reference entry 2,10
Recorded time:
6,47
